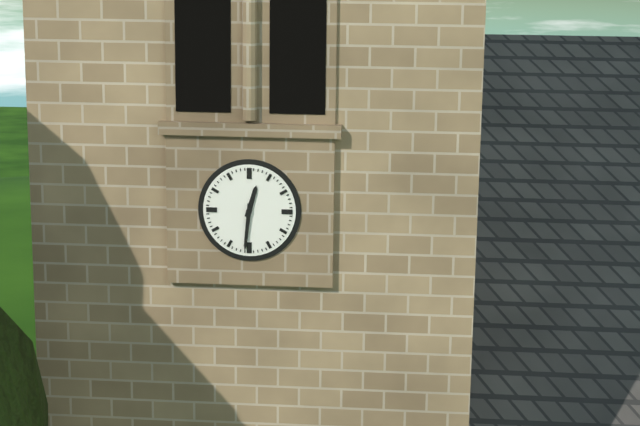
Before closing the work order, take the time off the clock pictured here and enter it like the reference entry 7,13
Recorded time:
12,31
